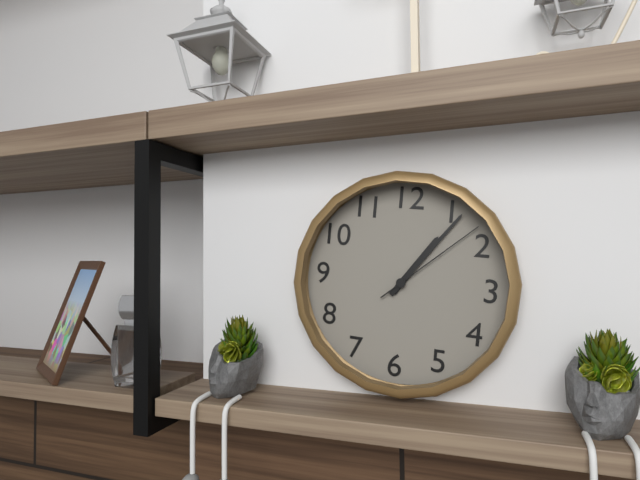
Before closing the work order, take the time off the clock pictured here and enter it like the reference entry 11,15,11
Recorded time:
1,06,08
